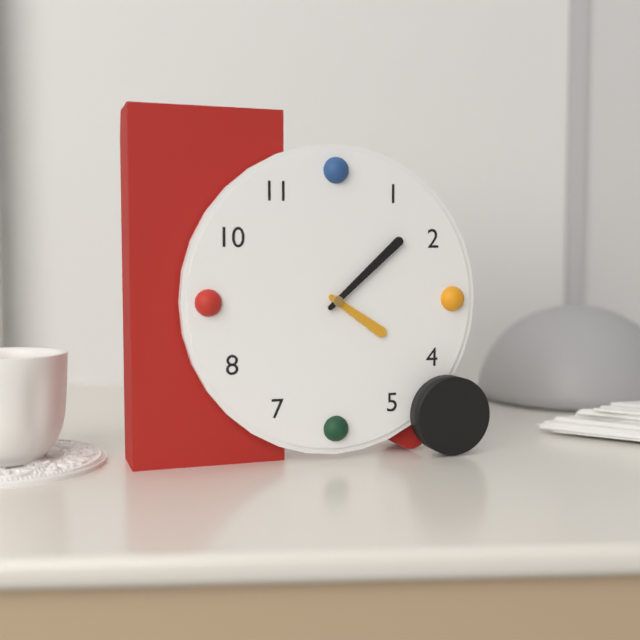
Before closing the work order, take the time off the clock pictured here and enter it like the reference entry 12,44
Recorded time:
4,08
